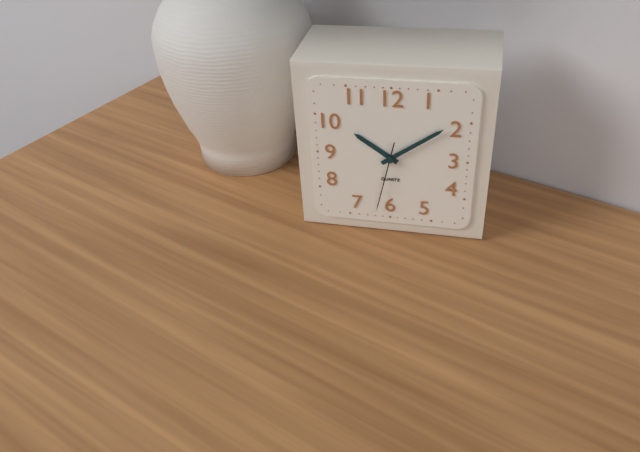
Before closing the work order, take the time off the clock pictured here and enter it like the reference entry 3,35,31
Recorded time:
10,09,32
